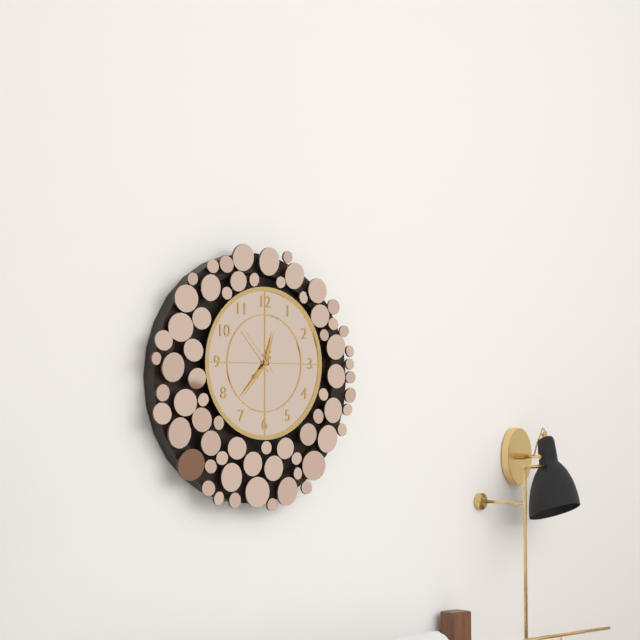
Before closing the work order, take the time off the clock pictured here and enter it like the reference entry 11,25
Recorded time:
12,37
